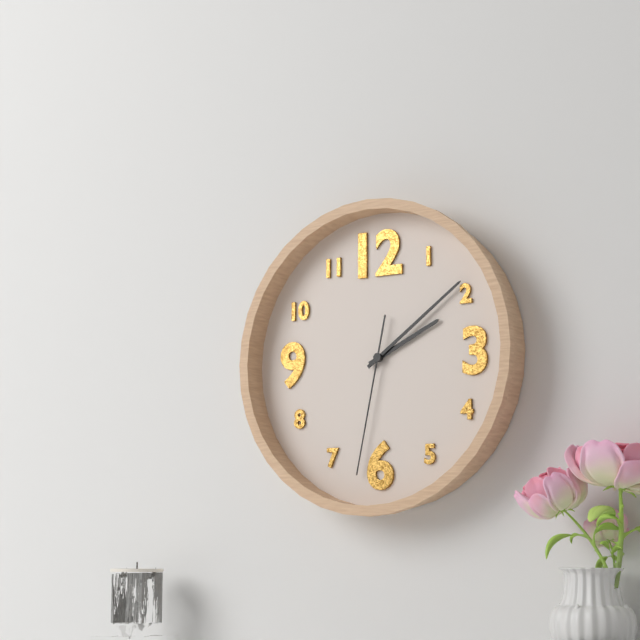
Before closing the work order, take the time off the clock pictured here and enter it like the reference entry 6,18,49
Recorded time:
2,09,32
